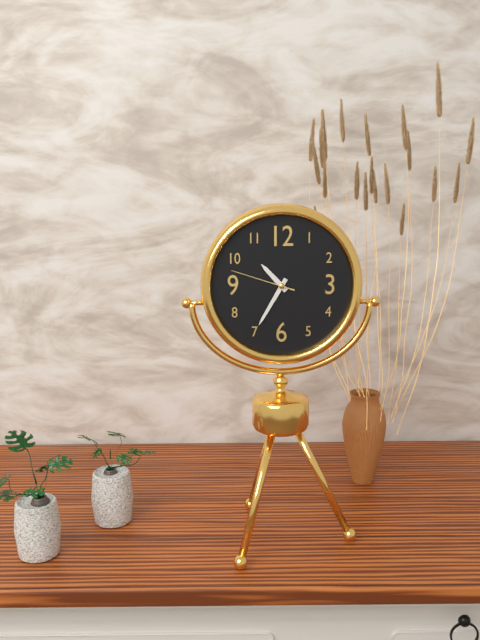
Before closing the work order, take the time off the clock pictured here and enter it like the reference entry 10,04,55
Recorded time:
10,35,48
